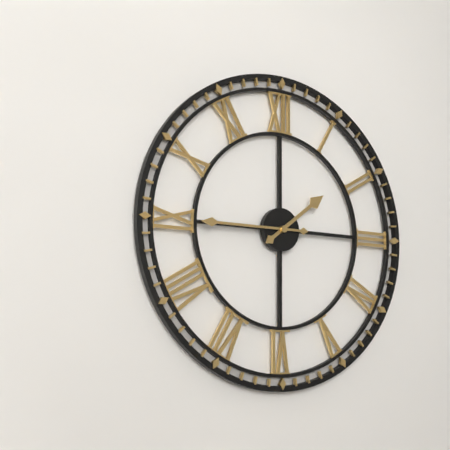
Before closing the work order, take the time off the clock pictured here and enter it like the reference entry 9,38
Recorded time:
1,45
